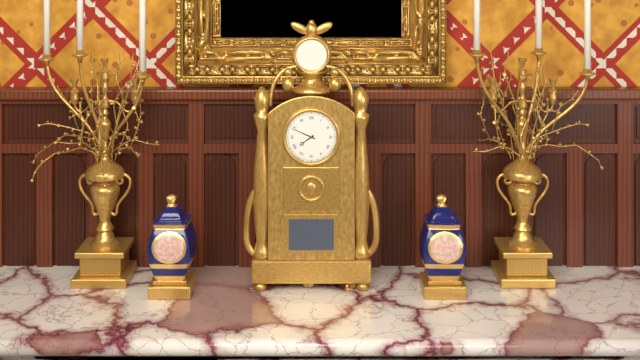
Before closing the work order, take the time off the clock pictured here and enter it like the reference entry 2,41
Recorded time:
7,49
